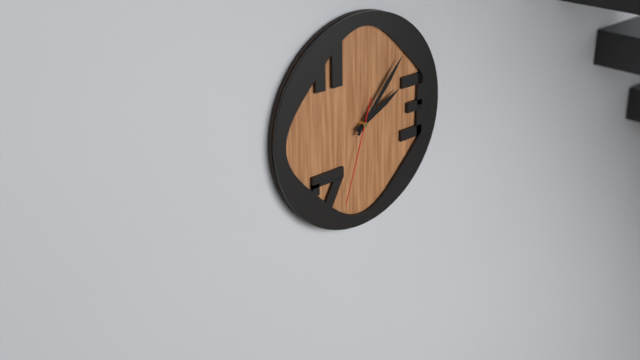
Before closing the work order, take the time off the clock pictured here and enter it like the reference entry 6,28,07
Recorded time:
2,07,33
